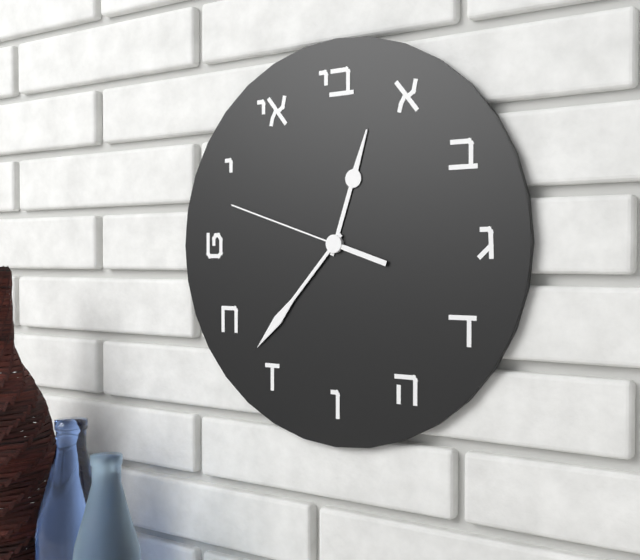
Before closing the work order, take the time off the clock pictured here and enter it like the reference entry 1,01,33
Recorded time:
12,37,48
